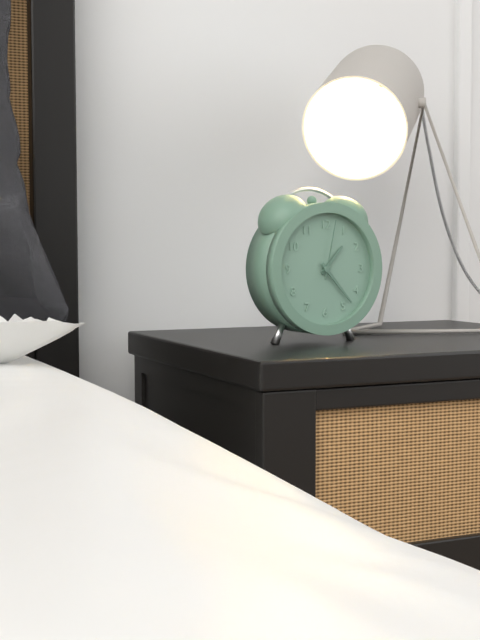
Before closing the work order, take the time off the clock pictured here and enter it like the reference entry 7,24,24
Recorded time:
1,23,02
